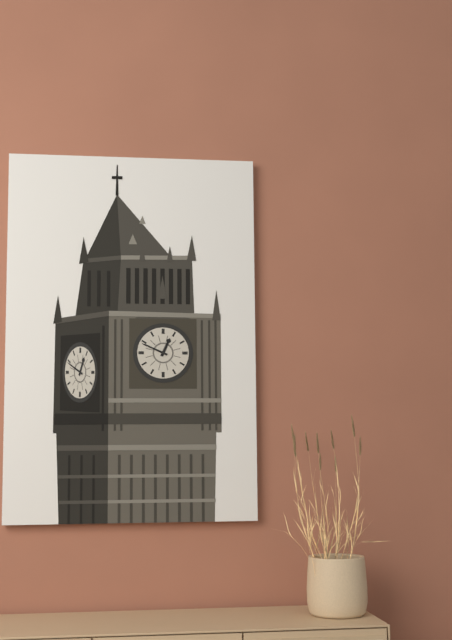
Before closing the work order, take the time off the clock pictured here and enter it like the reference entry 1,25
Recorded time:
12,49
